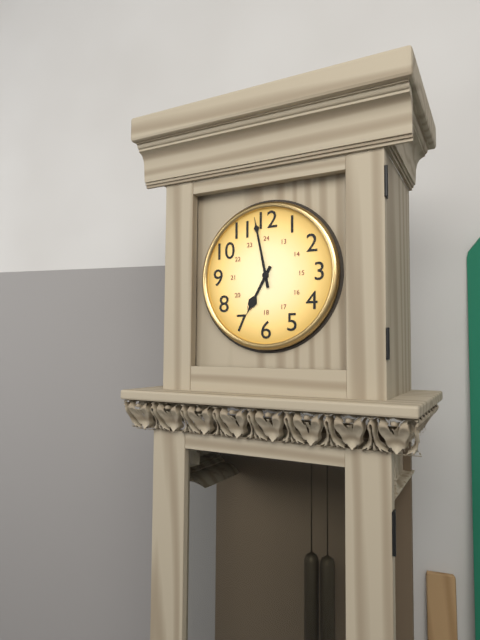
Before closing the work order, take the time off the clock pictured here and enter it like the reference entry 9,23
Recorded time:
6,58
